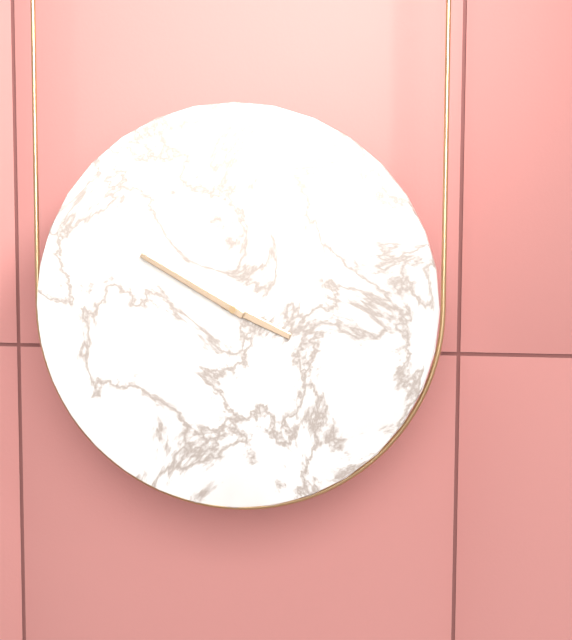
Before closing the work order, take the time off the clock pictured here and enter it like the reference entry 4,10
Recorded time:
3,50
